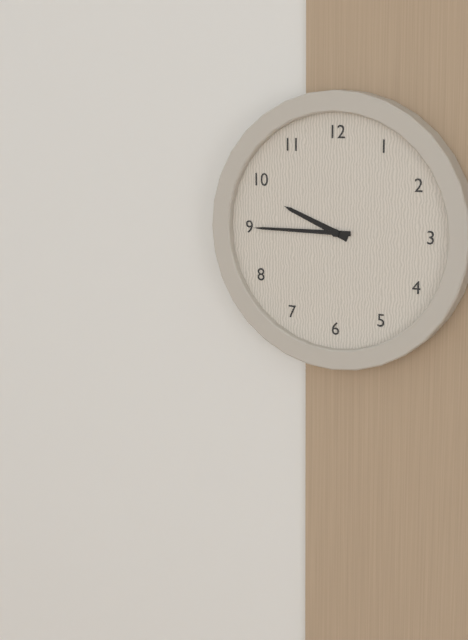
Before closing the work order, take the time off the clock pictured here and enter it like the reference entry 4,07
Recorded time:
9,45
